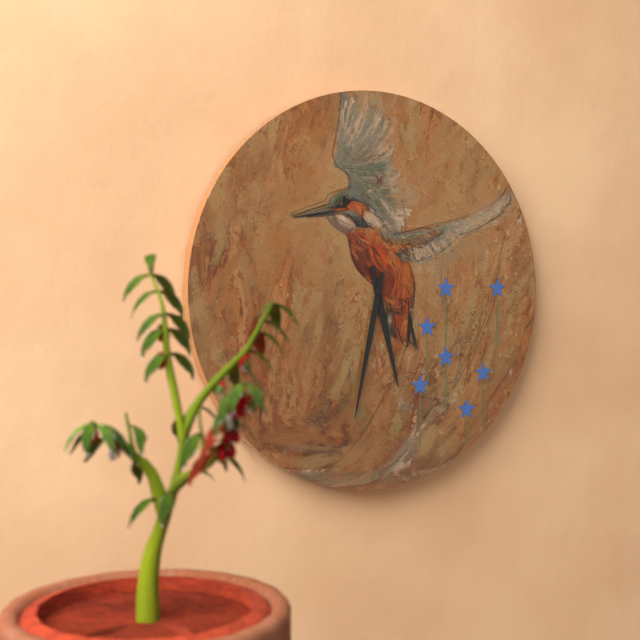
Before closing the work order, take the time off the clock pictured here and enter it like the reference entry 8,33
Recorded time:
5,32
